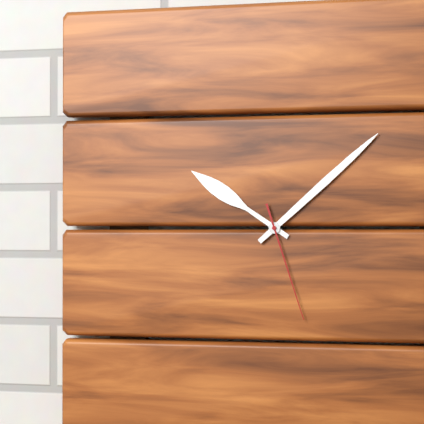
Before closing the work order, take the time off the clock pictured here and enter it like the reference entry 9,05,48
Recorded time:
10,08,27
